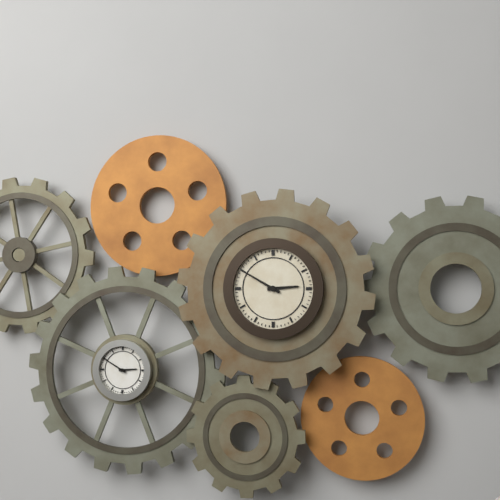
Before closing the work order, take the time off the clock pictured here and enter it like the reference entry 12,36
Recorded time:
2,50
